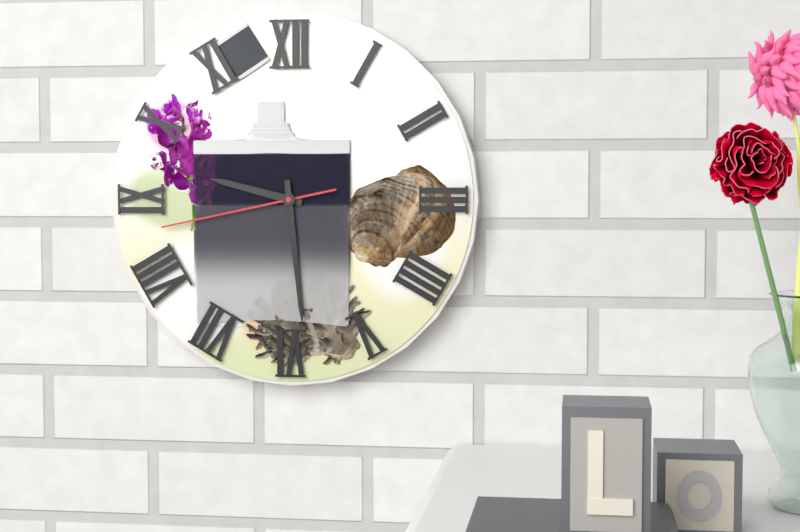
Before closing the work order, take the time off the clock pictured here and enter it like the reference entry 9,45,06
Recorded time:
9,29,43
